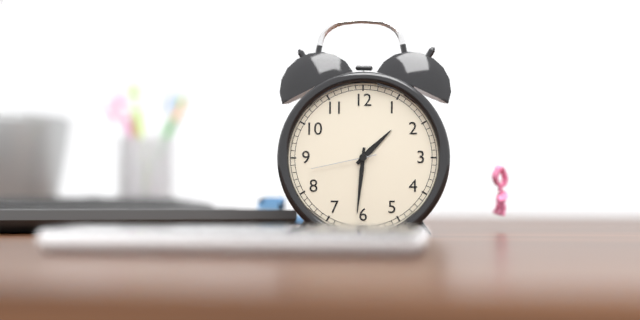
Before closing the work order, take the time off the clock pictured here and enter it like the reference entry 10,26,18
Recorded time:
1,31,43
